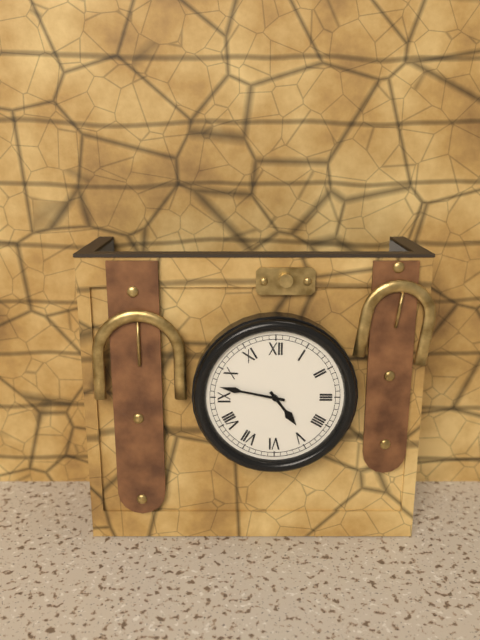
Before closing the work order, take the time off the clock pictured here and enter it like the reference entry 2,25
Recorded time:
4,47
